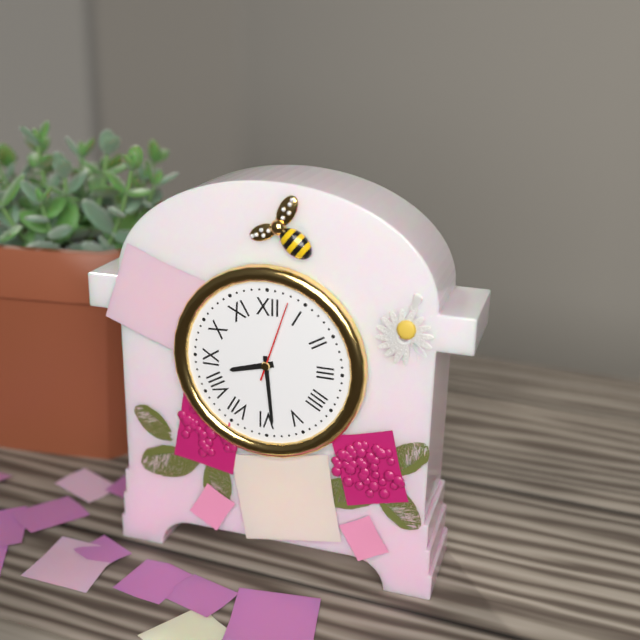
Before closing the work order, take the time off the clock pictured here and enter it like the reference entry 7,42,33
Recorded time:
8,29,03
